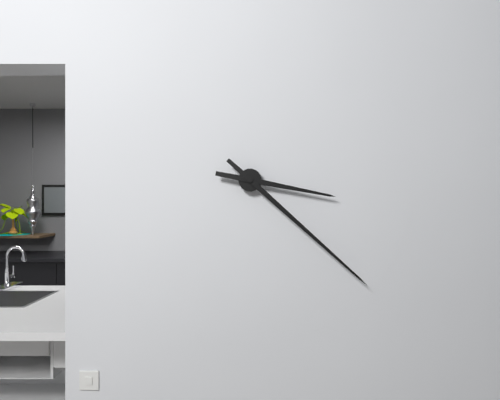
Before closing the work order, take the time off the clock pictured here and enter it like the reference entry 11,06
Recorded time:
3,22
